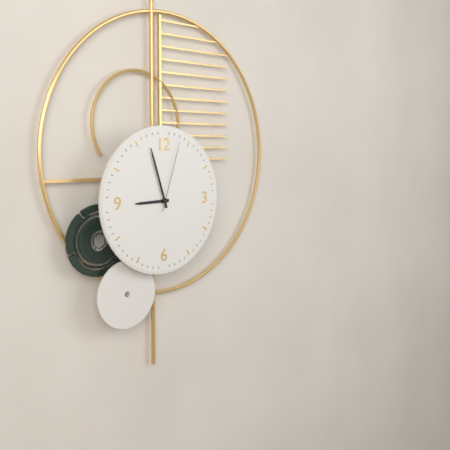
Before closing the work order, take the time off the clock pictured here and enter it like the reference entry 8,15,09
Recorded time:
8,57,03
